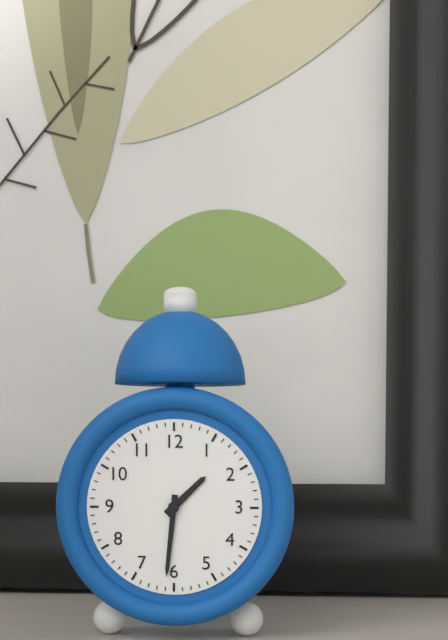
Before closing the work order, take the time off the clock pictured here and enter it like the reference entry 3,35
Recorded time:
1,31
